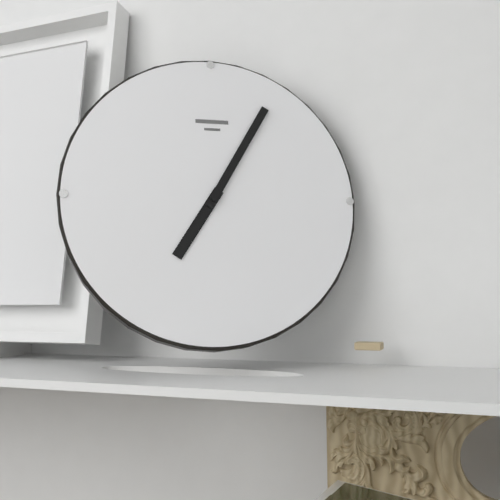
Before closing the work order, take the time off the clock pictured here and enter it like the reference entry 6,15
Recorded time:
7,05
